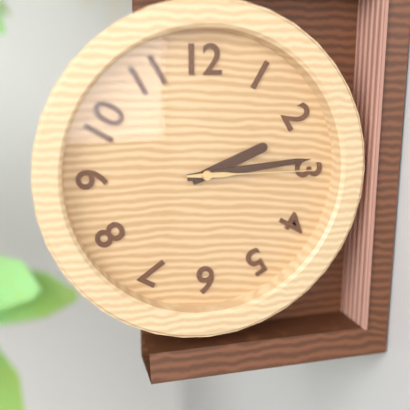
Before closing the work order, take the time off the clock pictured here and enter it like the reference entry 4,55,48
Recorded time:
2,14,15
